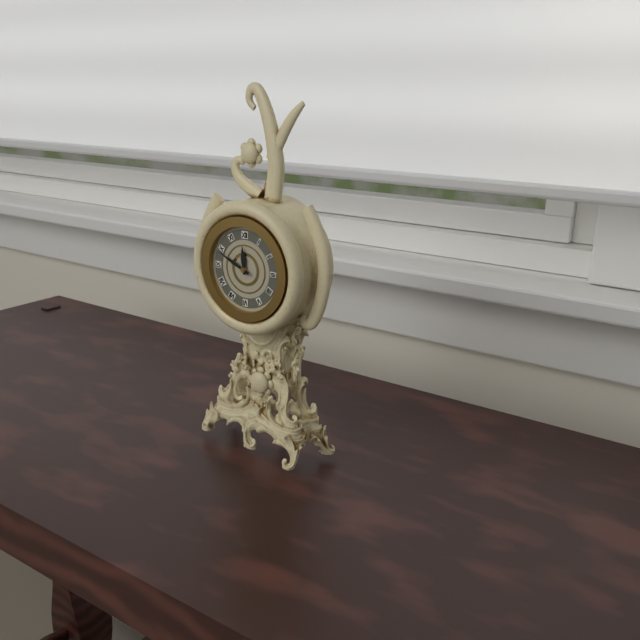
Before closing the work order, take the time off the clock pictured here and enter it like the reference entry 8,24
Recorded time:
11,49
